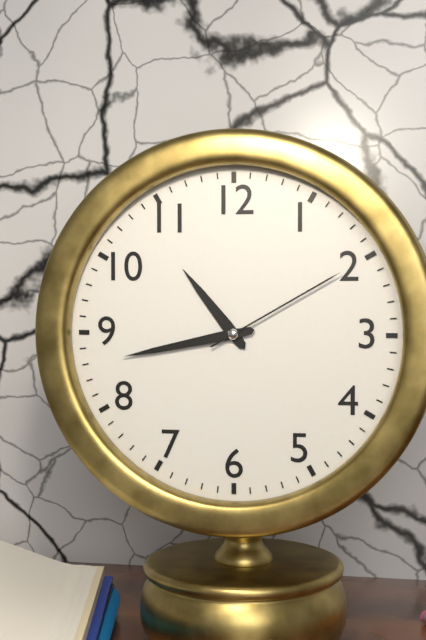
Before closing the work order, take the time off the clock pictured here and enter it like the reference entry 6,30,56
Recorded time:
10,43,10
